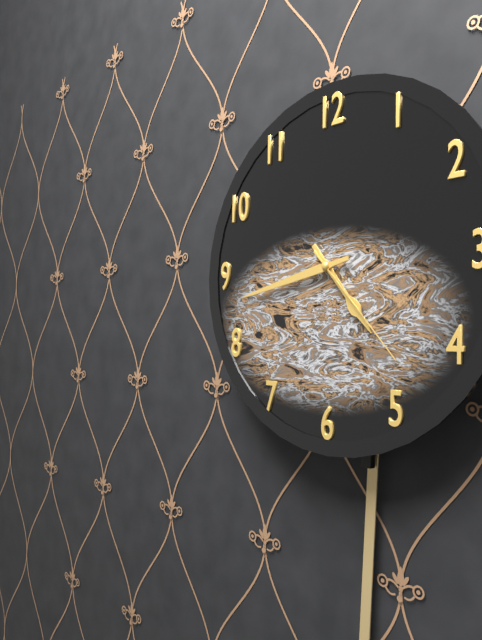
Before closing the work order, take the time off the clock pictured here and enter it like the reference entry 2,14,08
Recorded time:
4,43,23
